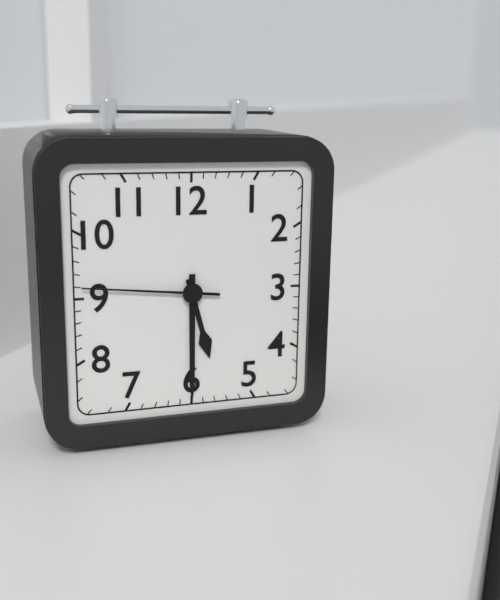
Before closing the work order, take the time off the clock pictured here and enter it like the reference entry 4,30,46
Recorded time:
5,30,46
